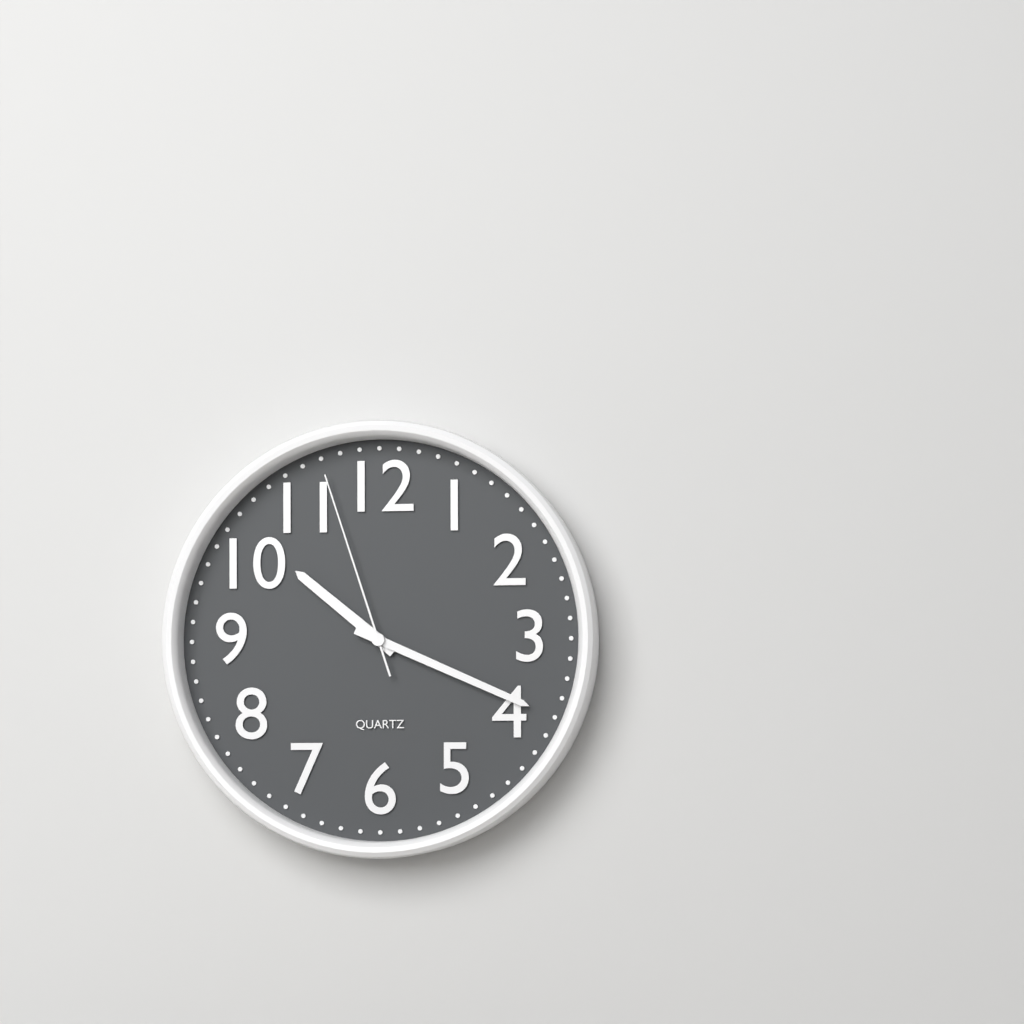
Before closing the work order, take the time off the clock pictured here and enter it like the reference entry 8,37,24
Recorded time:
10,19,57
